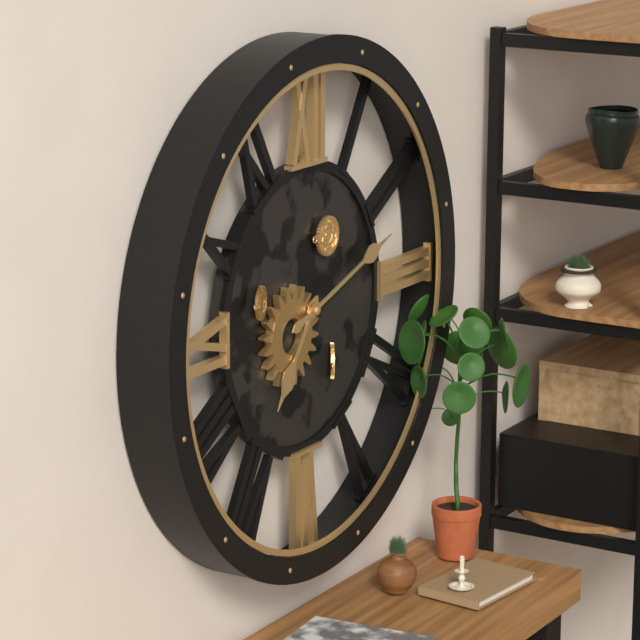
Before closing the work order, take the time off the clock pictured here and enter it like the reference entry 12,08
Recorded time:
7,12
